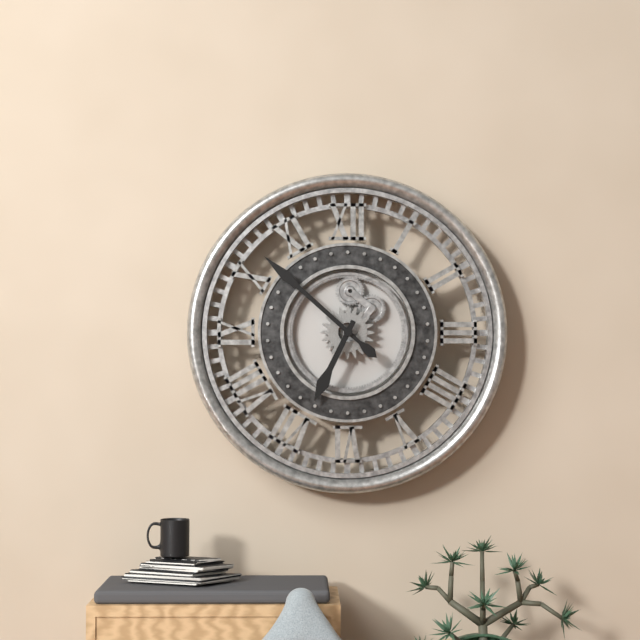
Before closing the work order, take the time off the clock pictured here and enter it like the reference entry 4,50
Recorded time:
6,52
